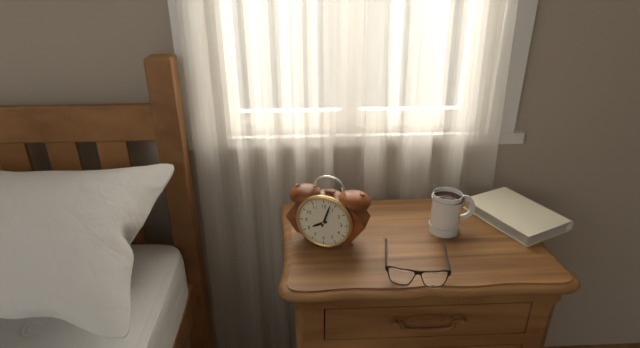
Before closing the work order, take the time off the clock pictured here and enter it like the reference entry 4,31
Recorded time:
8,03
